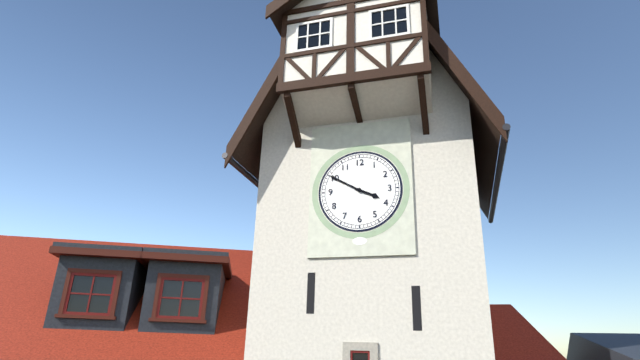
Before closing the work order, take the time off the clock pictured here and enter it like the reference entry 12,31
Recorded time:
3,50
